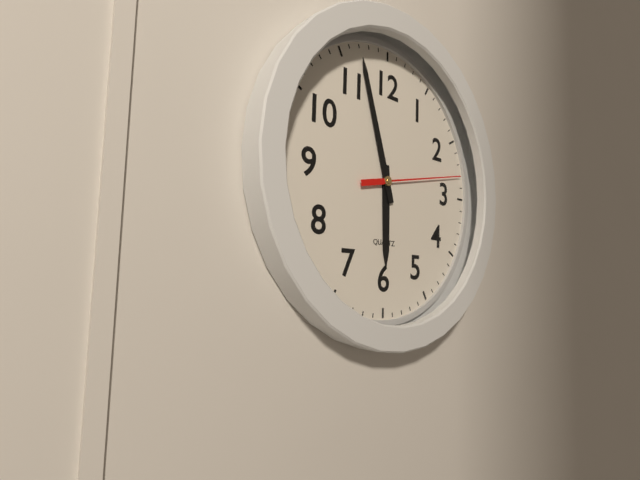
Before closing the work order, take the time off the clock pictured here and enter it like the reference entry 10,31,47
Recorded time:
5,57,13
